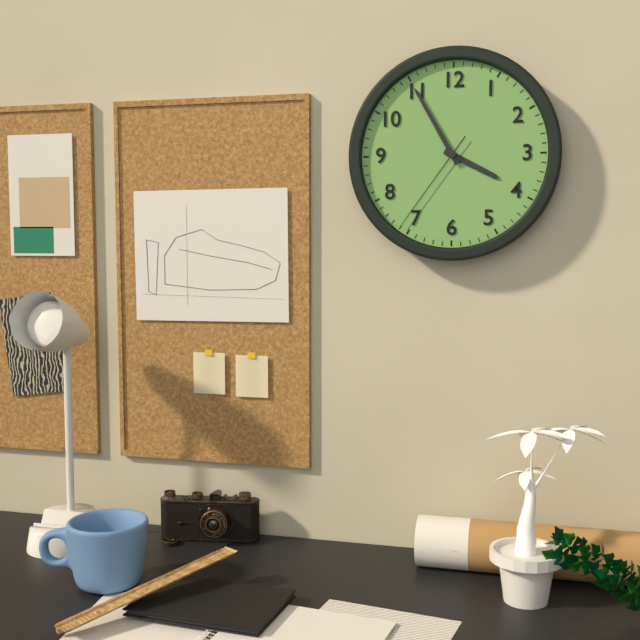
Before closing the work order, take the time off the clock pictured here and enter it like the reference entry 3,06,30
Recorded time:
3,55,36
